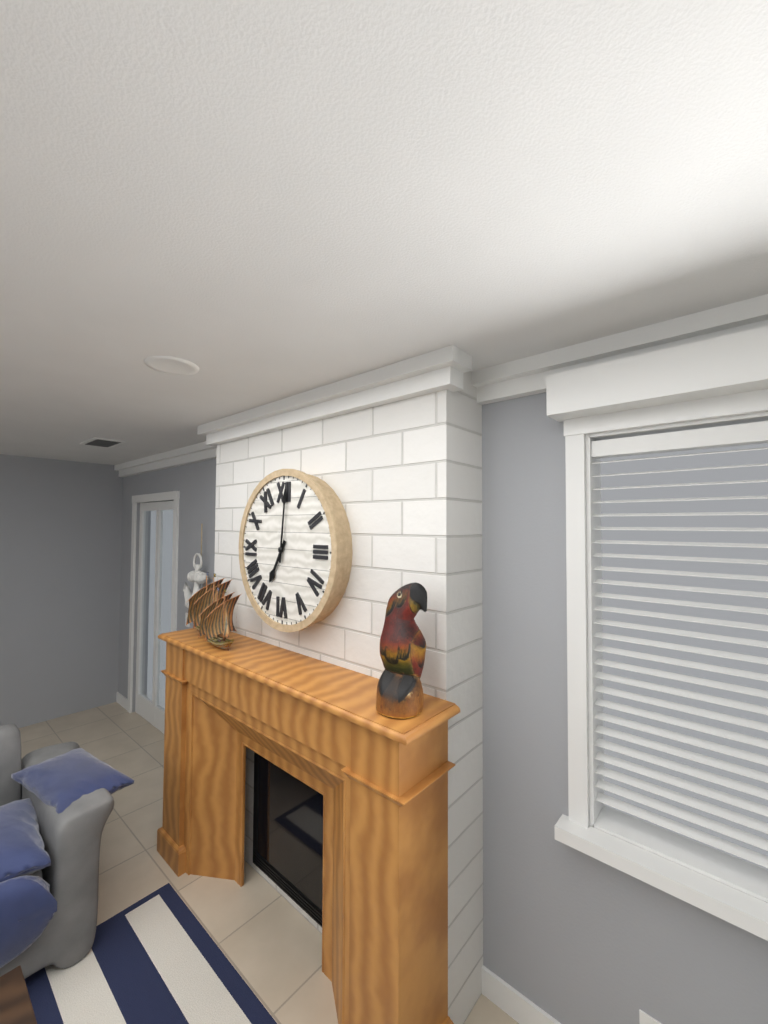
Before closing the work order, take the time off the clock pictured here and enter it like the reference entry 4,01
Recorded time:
7,01
